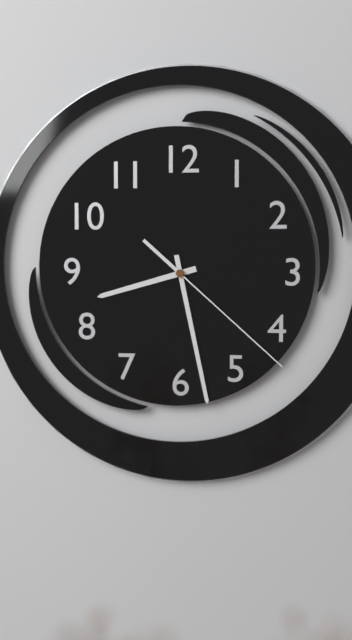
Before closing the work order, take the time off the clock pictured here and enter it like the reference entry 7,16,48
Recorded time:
8,28,22
